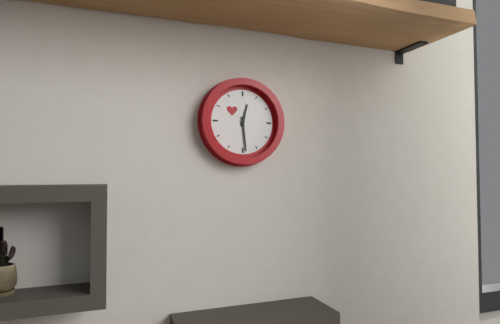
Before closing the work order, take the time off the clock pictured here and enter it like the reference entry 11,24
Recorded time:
12,29
